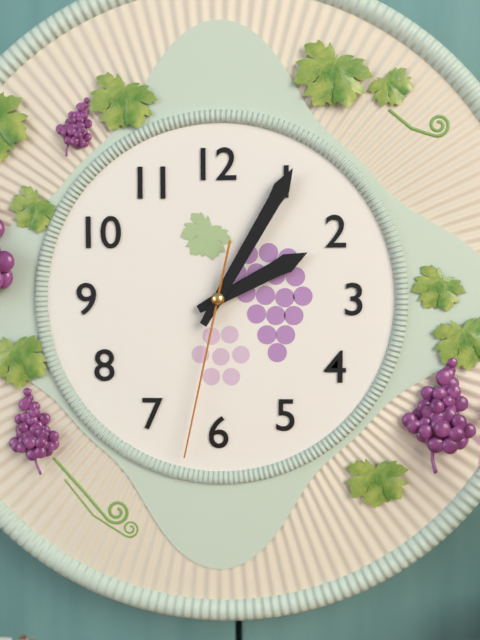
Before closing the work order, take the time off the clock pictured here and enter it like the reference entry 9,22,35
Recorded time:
2,05,32
